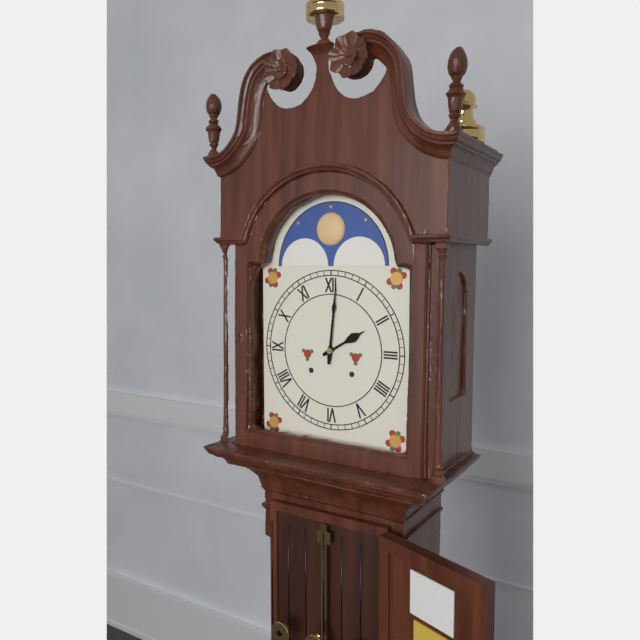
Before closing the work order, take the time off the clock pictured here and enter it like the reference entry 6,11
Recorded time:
2,01
